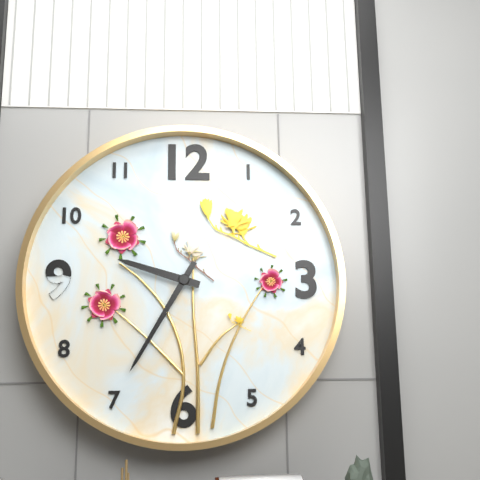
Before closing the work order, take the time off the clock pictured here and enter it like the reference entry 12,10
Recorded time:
9,35
